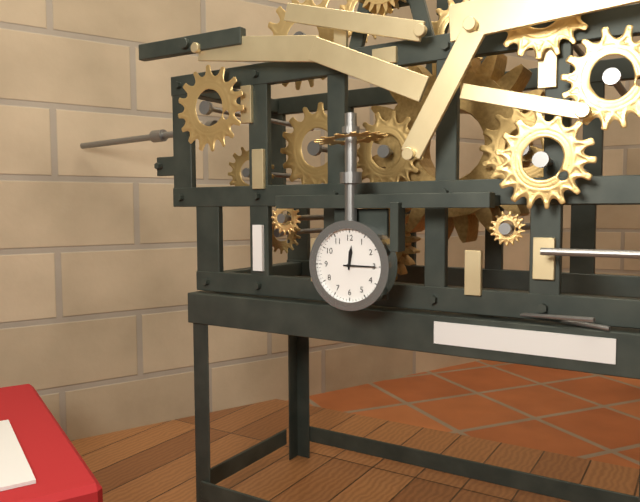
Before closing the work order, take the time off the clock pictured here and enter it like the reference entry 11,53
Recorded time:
12,15
